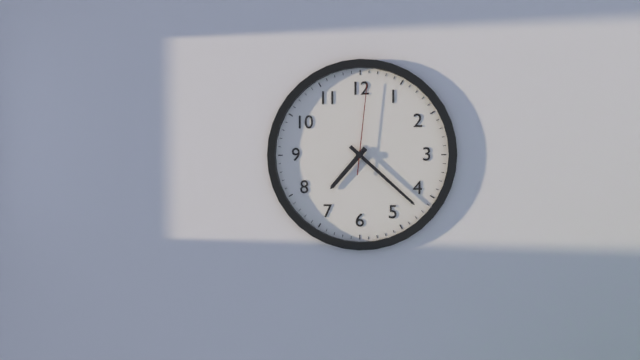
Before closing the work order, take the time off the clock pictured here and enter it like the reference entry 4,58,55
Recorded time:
7,22,01
